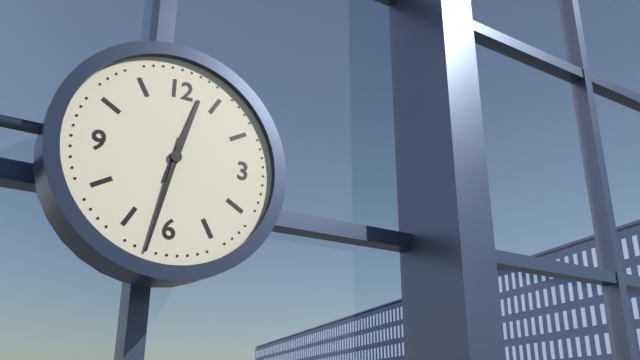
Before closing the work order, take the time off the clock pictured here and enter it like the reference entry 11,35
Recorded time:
12,32
